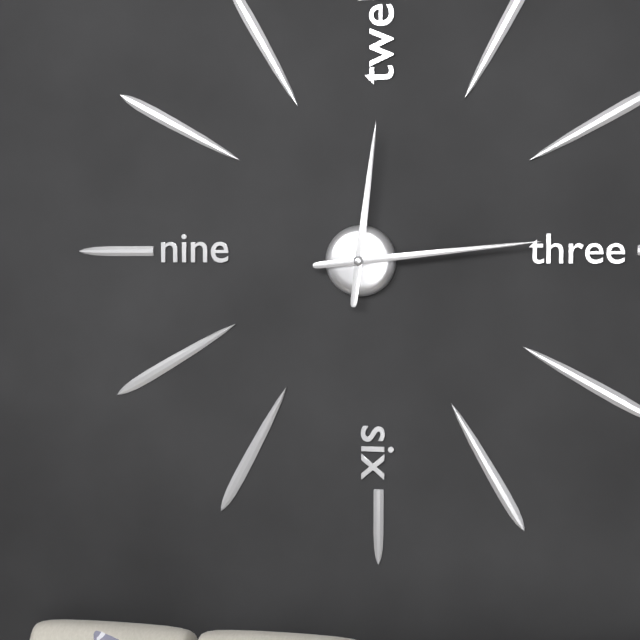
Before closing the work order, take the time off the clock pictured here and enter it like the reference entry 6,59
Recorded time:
12,14
